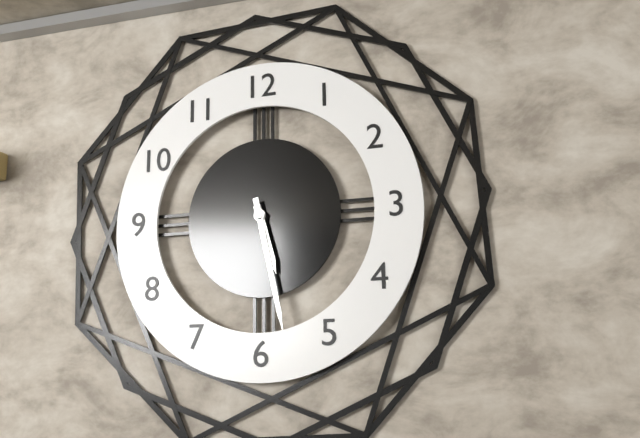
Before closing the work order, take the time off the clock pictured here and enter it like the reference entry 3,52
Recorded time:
5,28
